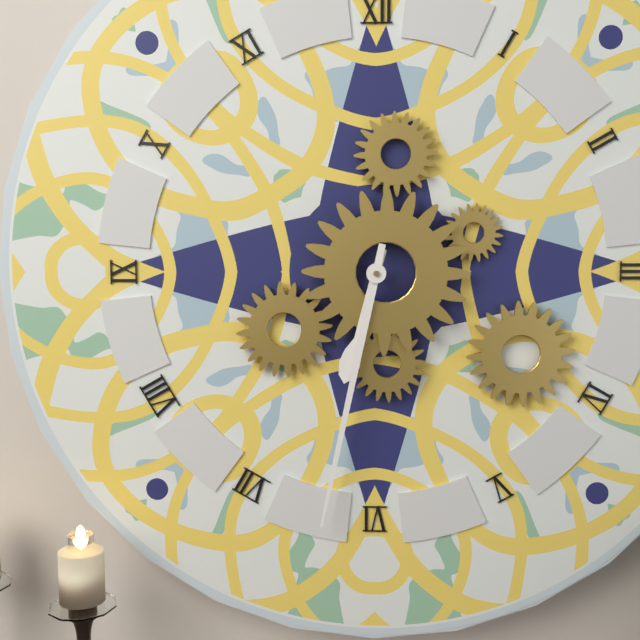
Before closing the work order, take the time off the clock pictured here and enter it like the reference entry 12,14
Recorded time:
6,32
